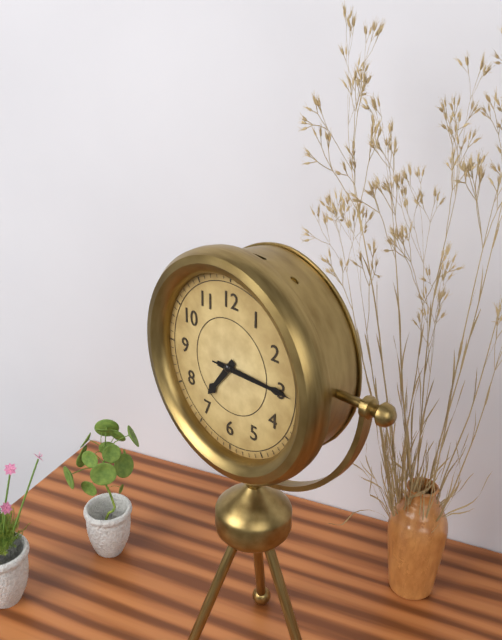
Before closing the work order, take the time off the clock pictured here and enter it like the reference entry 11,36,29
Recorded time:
7,15,15
